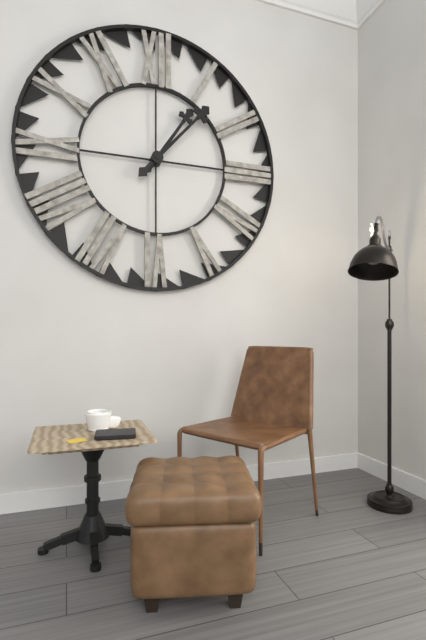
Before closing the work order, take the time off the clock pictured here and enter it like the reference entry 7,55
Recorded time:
1,07
